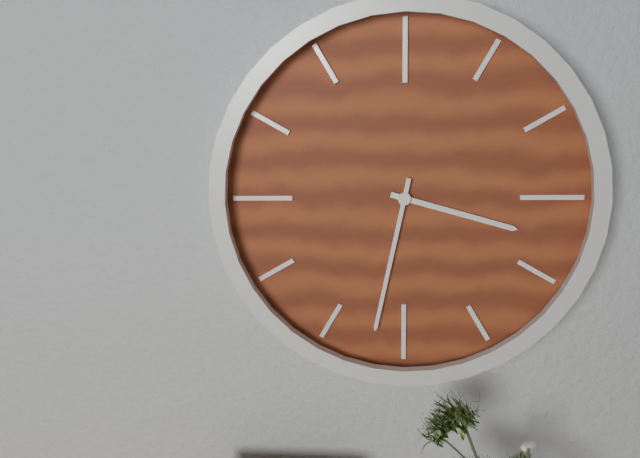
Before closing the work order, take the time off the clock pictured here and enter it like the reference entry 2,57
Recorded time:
3,32
